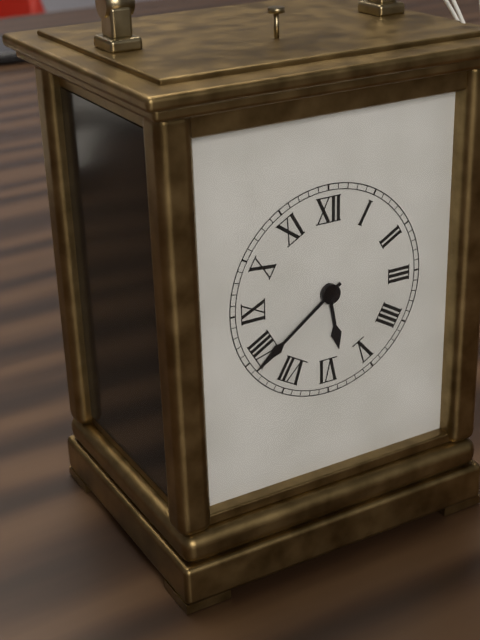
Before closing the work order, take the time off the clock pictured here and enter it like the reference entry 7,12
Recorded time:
5,39
